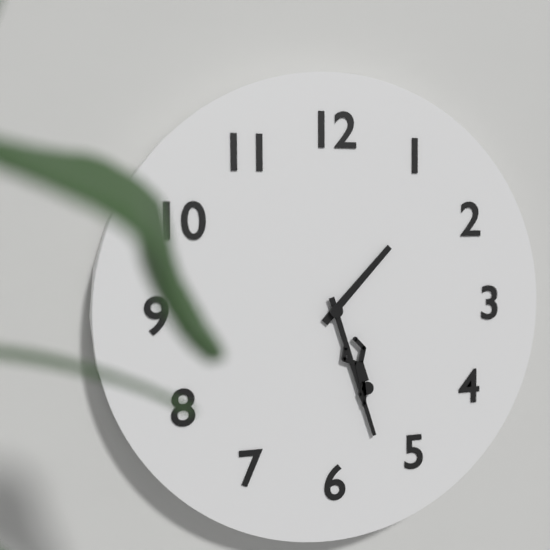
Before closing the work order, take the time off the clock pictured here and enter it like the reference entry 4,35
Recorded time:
1,27
